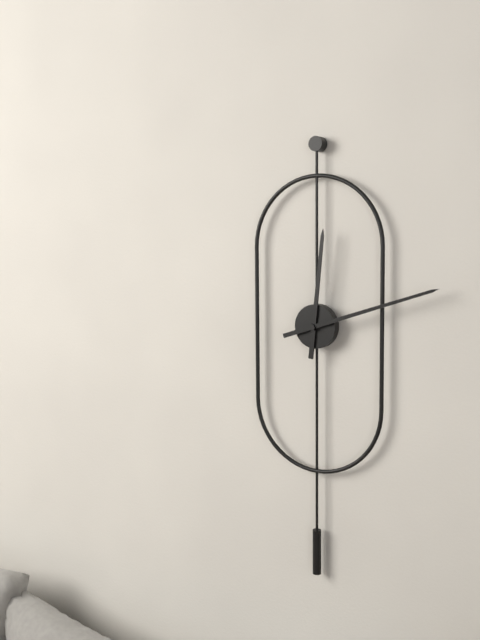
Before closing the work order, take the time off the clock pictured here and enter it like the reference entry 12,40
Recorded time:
12,12
